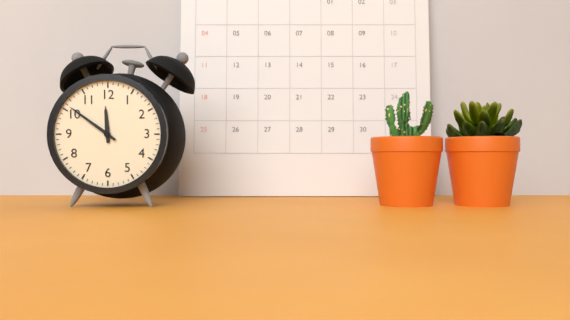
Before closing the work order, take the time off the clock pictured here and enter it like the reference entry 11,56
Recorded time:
11,51
